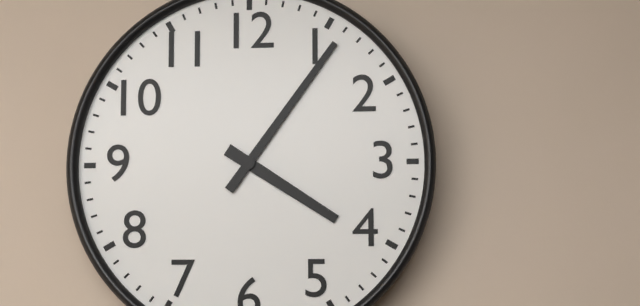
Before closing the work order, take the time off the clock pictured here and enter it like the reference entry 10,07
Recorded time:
4,06
